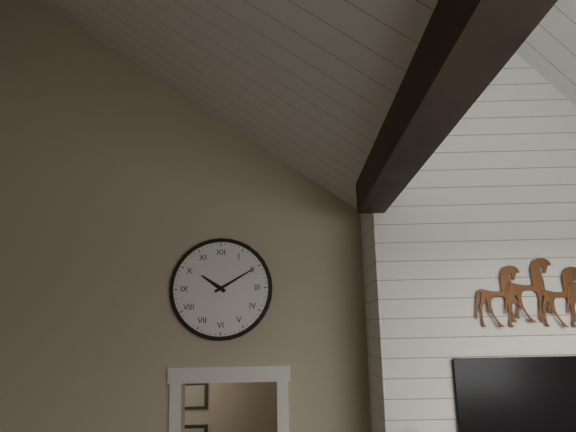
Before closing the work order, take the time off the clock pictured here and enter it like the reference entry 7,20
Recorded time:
10,10
